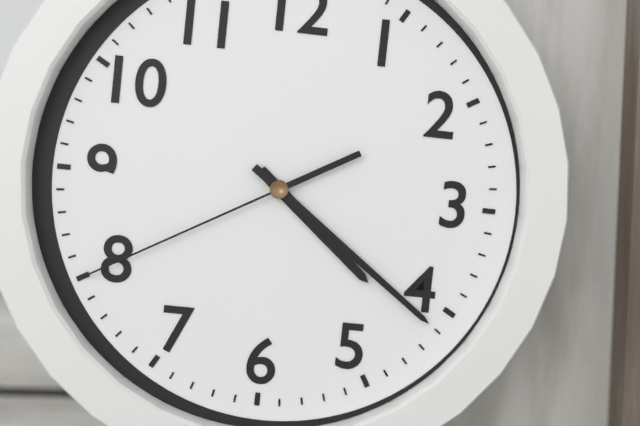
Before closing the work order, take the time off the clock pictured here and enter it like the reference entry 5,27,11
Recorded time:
4,21,40
